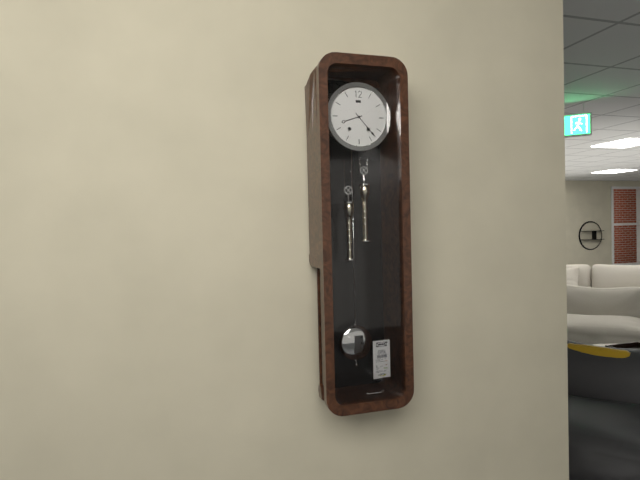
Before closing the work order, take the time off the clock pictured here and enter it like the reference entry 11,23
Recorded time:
8,23
